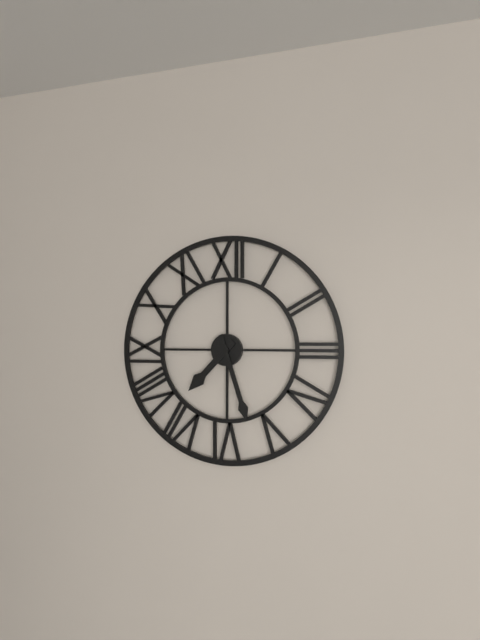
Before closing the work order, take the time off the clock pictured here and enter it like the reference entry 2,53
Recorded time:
7,27
